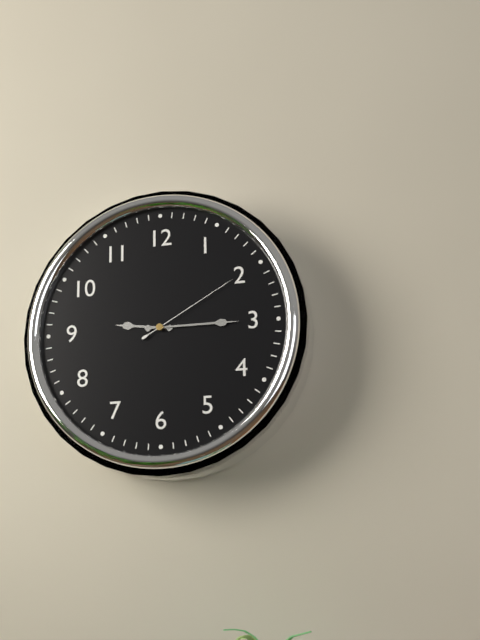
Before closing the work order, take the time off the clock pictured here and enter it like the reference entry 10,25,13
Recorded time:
9,15,10
